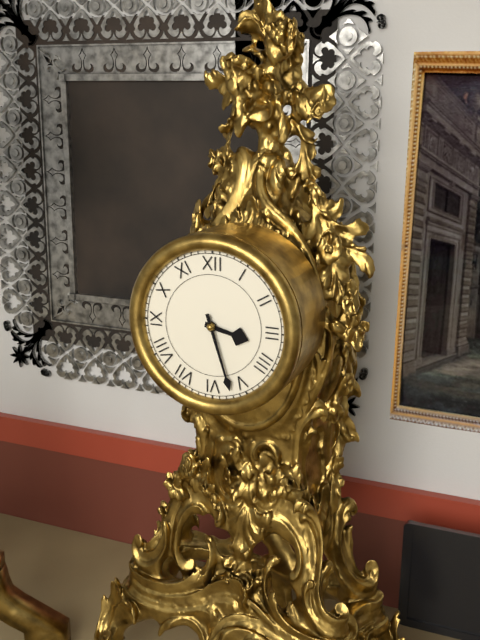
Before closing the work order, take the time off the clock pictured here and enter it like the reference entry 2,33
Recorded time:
3,27
